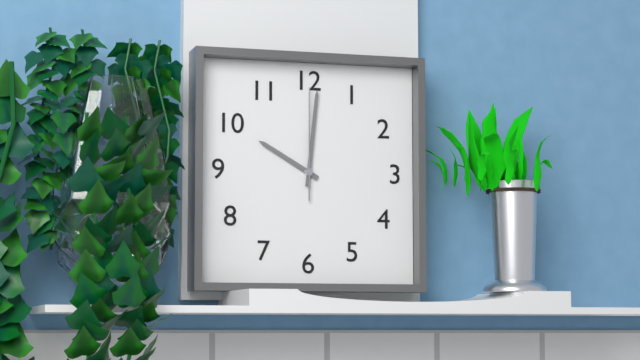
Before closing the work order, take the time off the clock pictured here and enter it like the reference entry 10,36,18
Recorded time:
10,01,00
